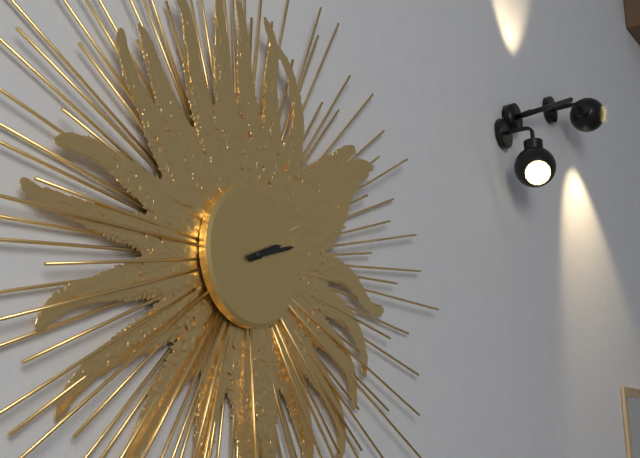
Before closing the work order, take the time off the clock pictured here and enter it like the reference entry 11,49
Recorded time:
2,12
